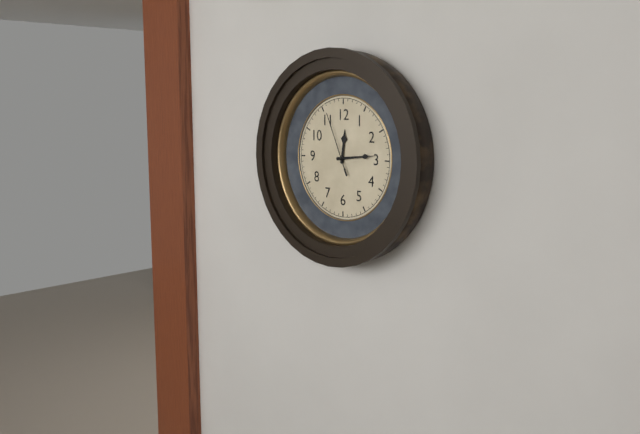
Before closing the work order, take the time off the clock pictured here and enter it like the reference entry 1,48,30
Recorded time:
12,14,56
